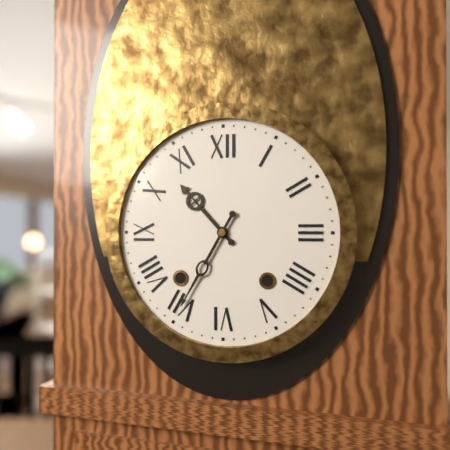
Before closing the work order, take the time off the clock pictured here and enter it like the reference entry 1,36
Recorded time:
10,35
